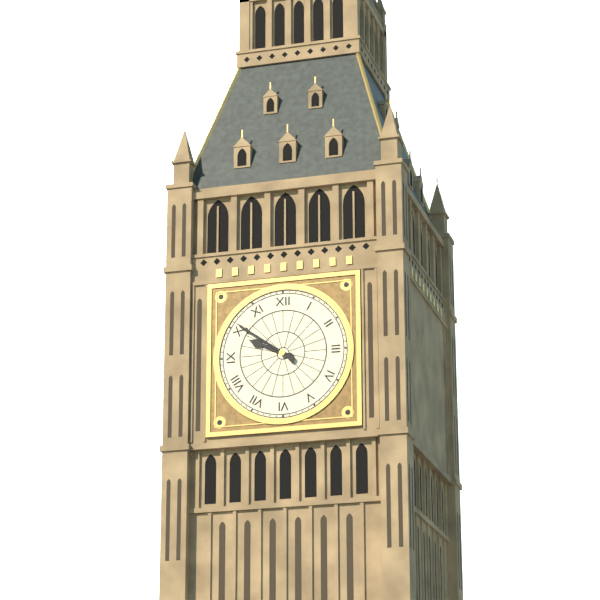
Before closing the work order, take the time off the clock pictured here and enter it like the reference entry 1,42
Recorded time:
9,51
